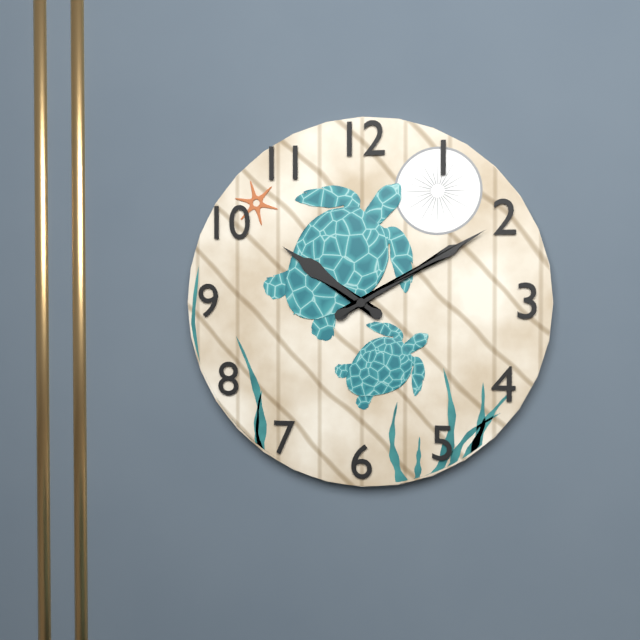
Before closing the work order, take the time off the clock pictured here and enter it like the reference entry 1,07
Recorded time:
10,10
